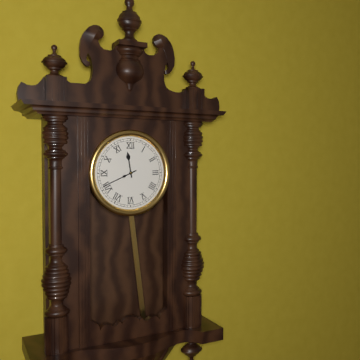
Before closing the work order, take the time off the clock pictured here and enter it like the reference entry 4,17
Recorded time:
11,41
